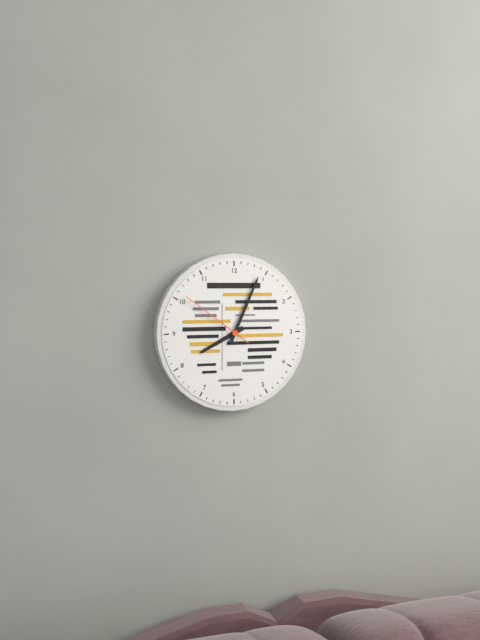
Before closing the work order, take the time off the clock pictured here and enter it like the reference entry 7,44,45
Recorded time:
8,04,51
